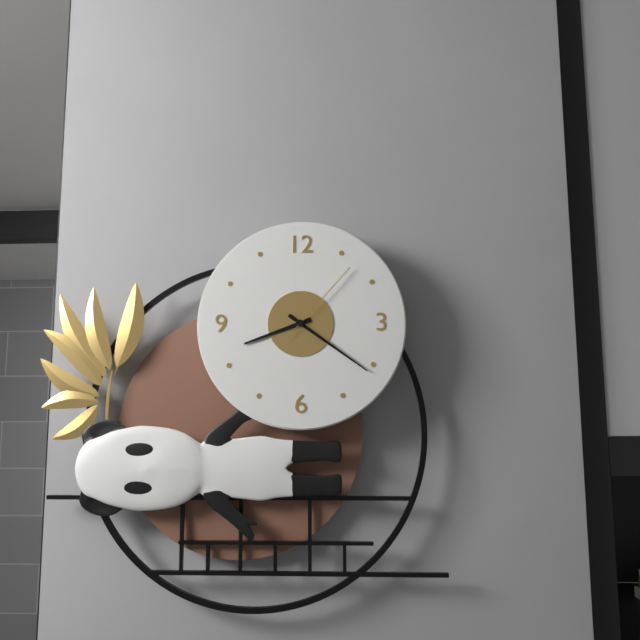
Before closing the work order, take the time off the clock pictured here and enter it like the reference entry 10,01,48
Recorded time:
8,21,07
